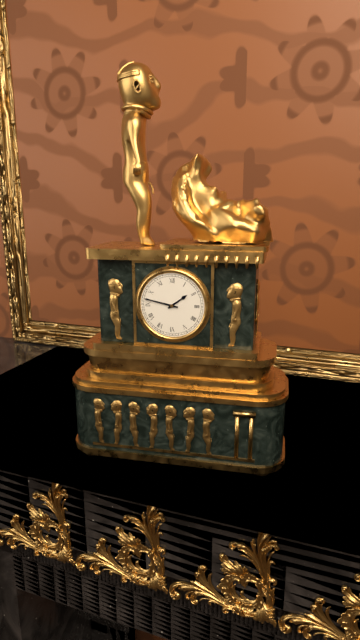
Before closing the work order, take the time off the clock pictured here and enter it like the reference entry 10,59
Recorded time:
1,47
